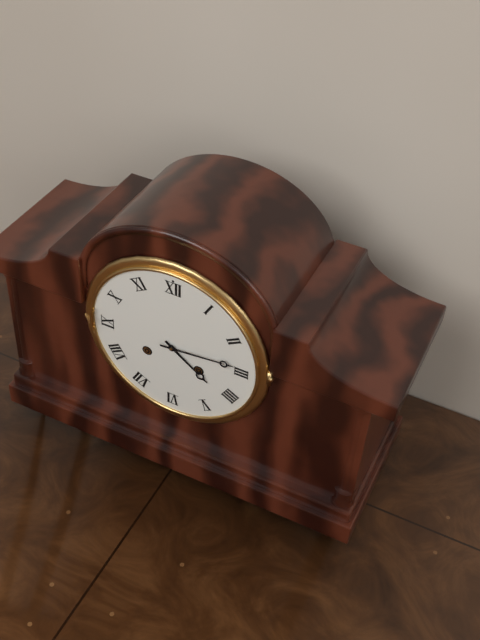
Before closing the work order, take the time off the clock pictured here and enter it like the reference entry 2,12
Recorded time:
4,14
